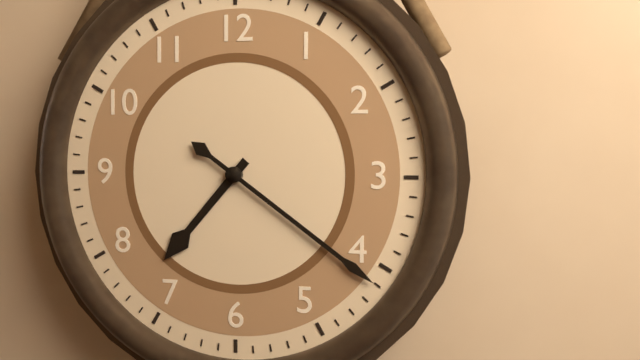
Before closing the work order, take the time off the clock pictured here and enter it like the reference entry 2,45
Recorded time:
7,21
